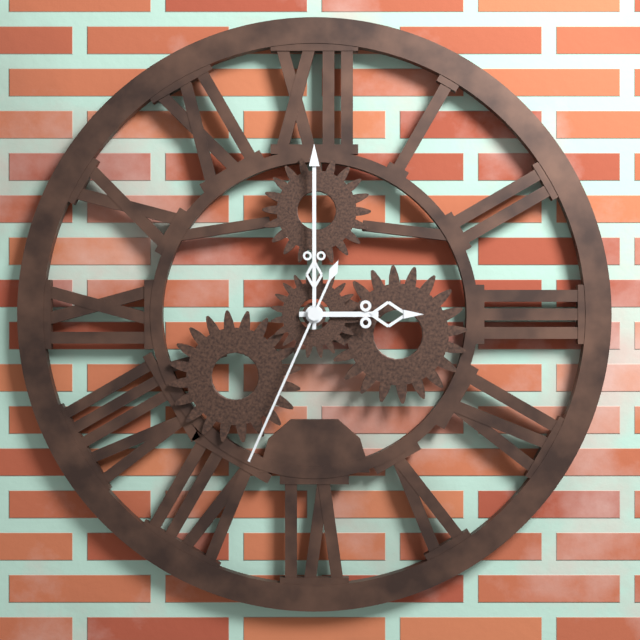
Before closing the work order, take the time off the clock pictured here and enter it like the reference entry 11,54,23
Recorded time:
3,00,34
